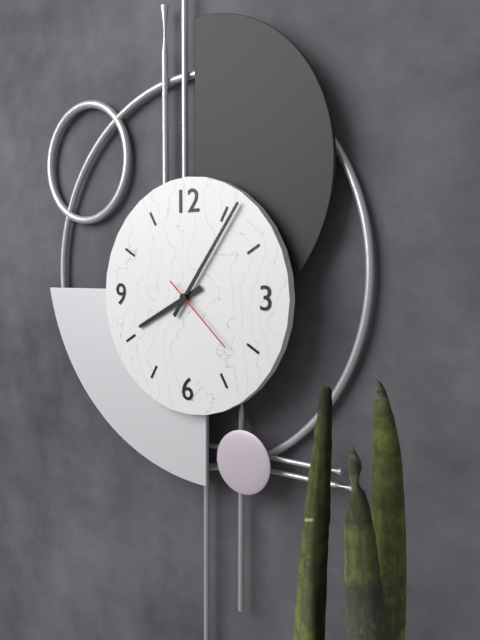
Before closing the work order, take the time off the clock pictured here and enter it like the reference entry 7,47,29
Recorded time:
8,06,22
